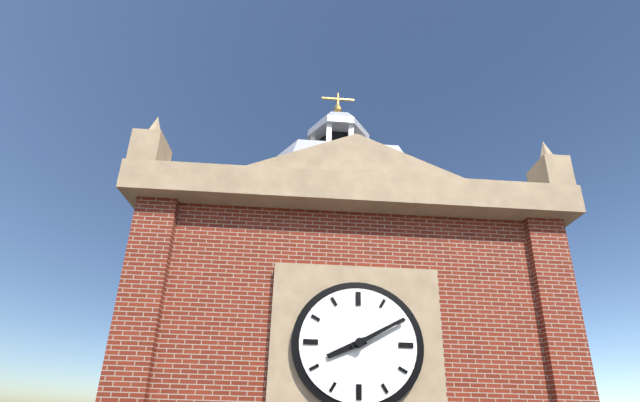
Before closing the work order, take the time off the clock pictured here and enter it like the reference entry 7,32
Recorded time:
8,10
